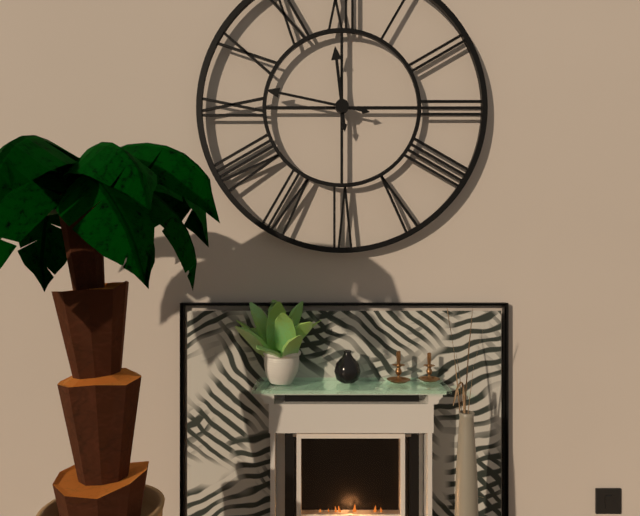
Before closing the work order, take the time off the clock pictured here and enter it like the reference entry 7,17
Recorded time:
11,47
